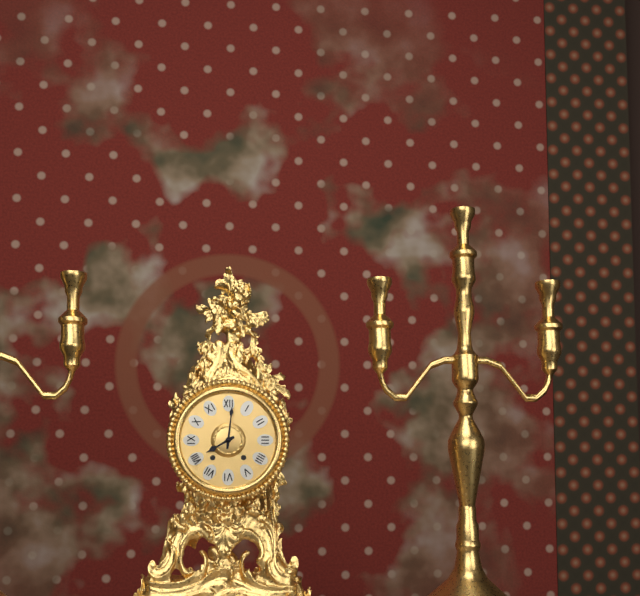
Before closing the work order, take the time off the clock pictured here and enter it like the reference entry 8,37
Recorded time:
8,01
